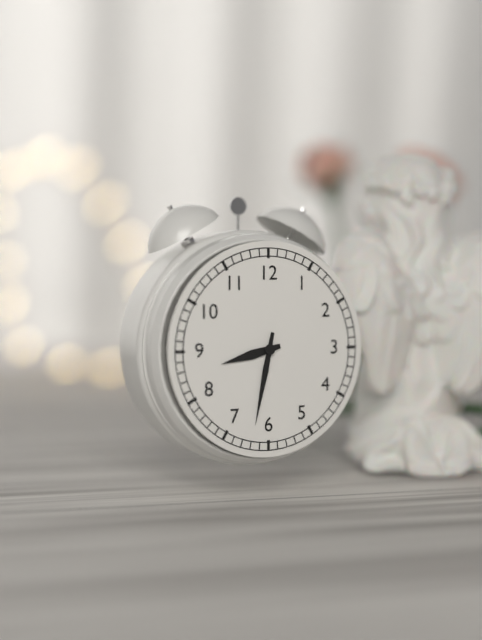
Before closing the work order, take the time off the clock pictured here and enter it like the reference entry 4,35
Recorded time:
8,32
